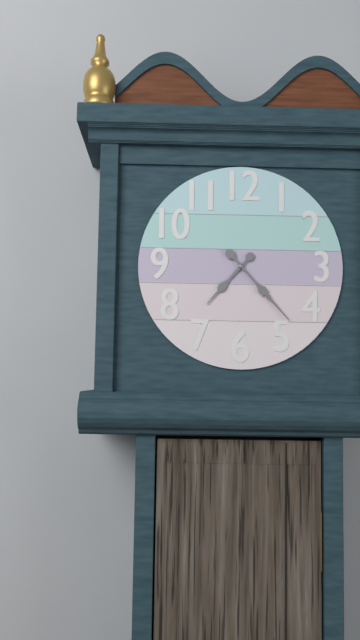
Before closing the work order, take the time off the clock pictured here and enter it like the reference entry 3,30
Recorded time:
7,23
